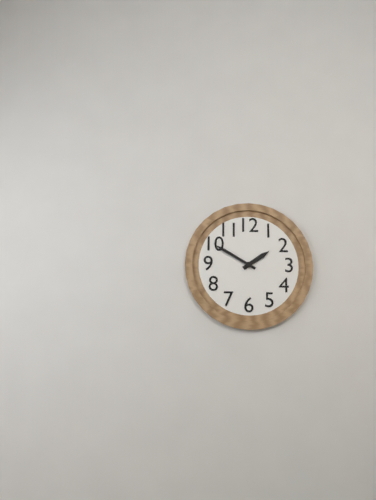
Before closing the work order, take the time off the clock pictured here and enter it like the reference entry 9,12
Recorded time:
1,50
